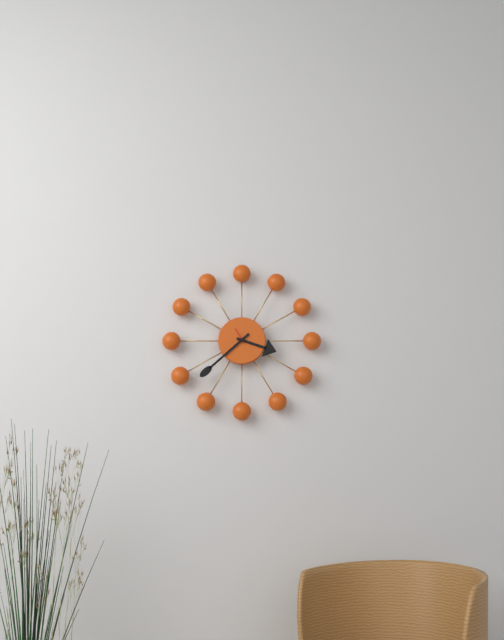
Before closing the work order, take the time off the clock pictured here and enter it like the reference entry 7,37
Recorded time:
3,38
